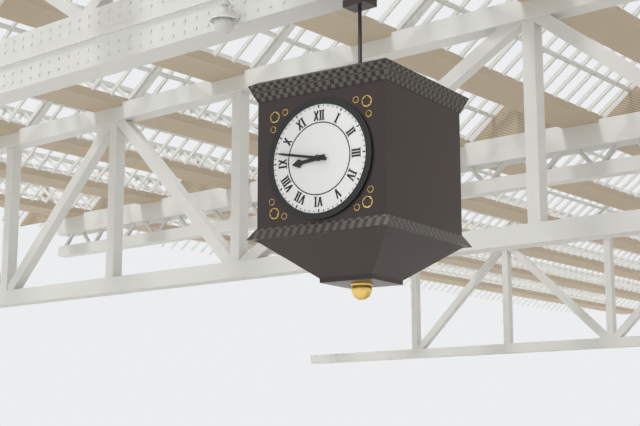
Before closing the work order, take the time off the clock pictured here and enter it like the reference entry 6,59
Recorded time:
8,47
